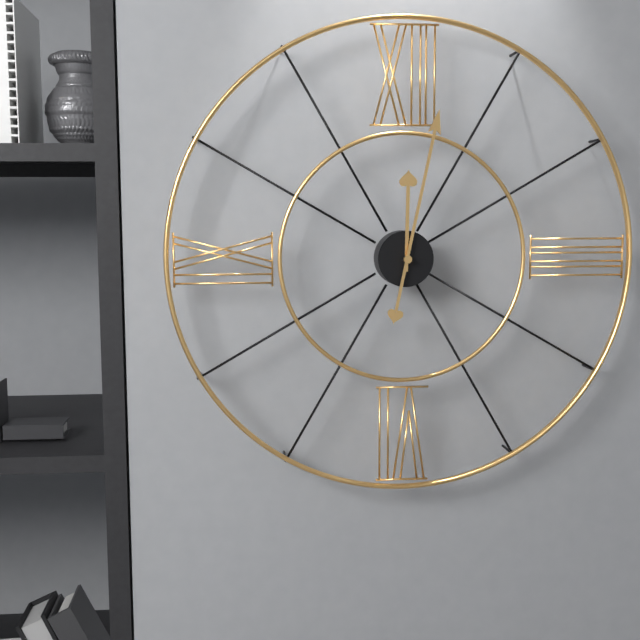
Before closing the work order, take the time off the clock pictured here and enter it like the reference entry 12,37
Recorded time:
12,02
